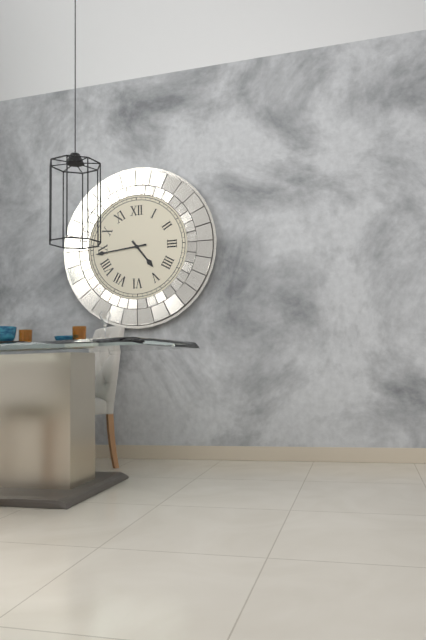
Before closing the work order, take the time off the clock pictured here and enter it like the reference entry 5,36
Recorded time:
4,44
